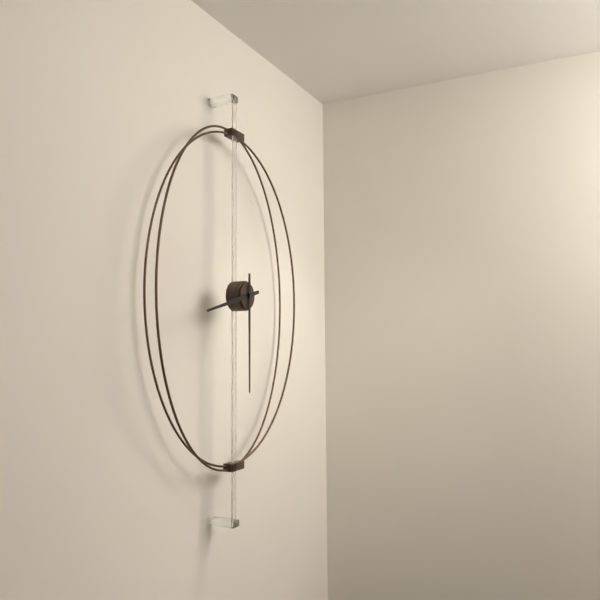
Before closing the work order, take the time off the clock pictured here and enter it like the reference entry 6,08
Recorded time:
8,30
